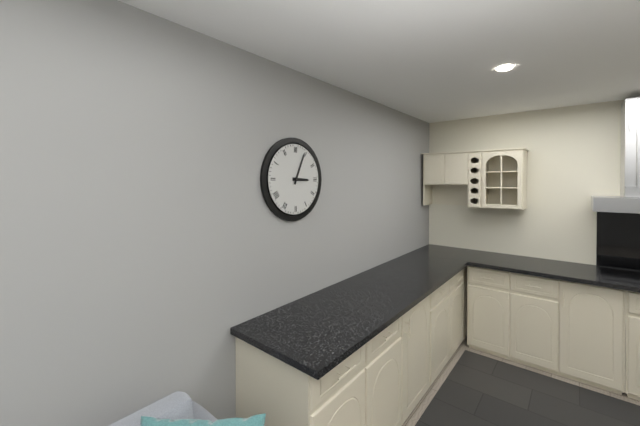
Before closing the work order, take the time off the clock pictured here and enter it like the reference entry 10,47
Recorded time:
3,04
